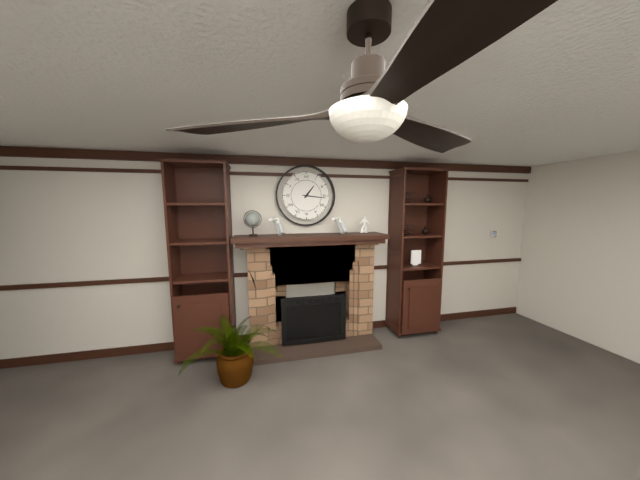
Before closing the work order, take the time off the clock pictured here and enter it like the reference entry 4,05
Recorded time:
1,16
